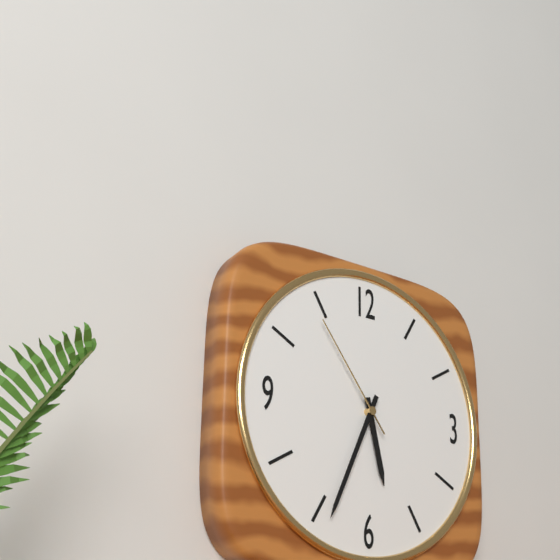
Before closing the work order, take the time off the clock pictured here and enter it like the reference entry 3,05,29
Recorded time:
5,34,54
